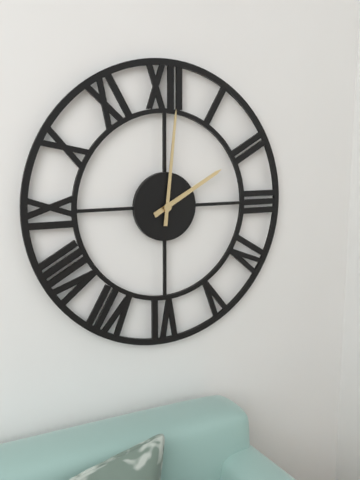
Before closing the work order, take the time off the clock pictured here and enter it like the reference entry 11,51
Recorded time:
2,01
